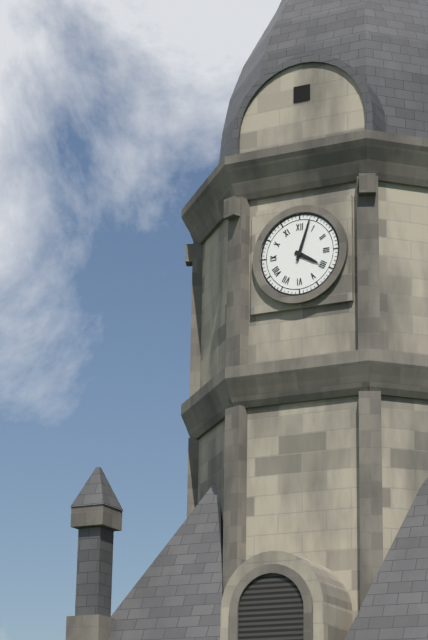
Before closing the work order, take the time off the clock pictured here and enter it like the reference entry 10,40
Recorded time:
4,03
